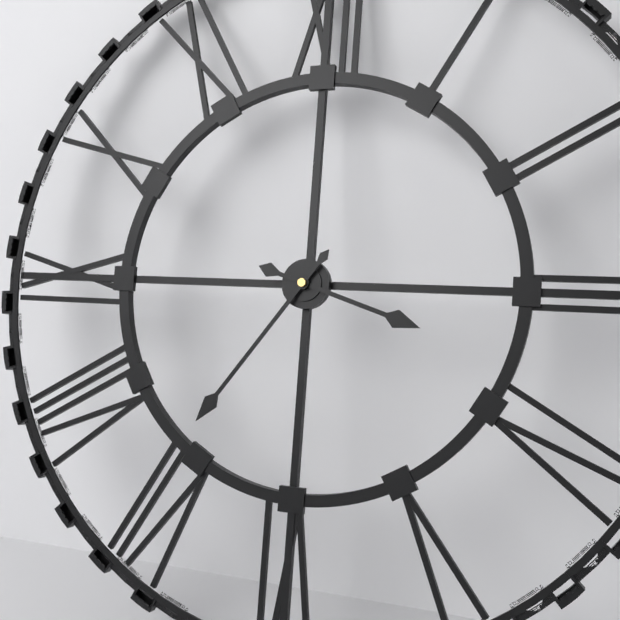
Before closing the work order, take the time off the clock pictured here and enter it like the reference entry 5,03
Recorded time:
3,36
